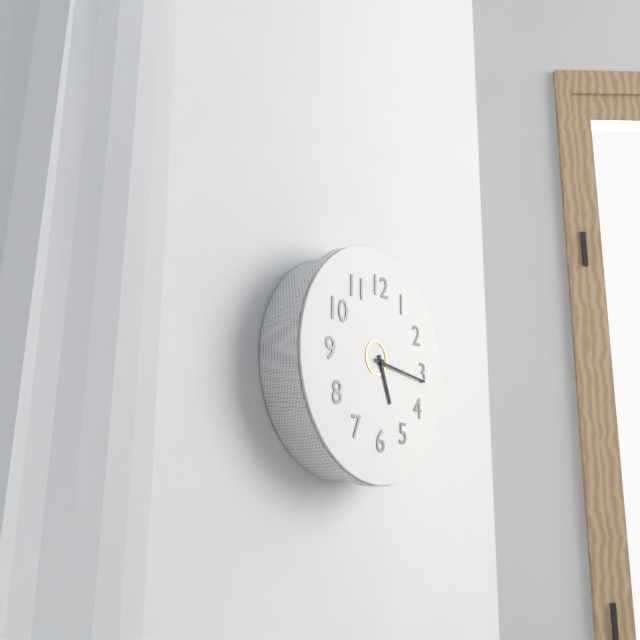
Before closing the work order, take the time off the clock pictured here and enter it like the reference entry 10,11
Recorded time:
5,16
